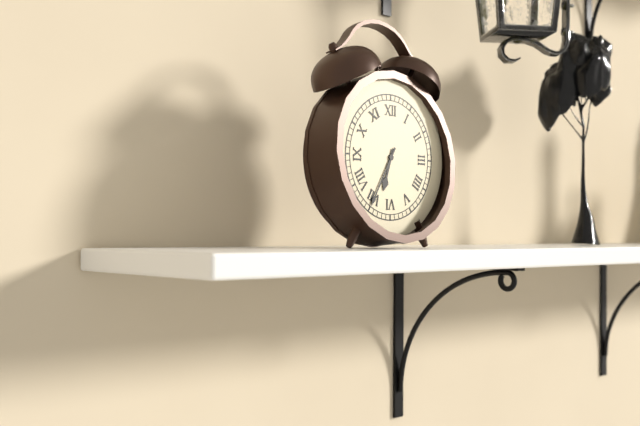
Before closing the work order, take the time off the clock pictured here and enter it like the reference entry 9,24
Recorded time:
6,35
